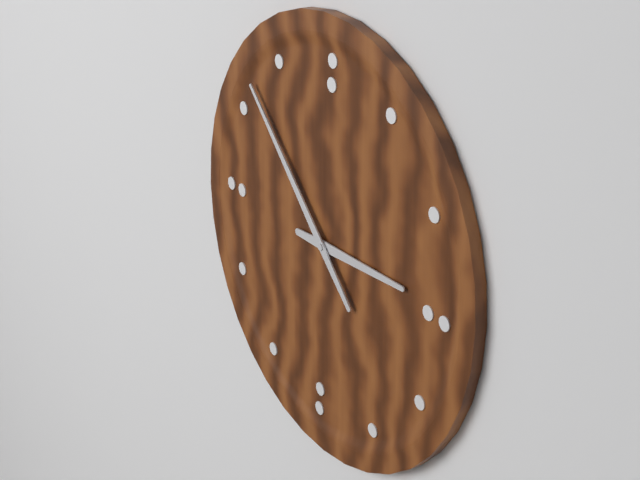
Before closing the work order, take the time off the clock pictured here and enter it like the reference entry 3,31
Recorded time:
2,52
